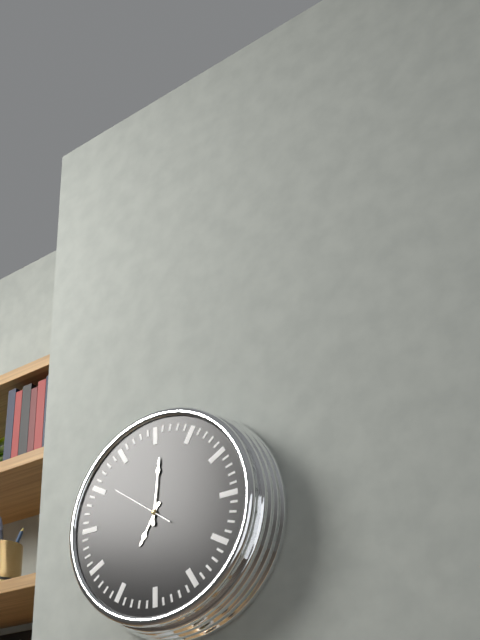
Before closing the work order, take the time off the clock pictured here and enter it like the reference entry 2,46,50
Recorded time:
7,01,51
